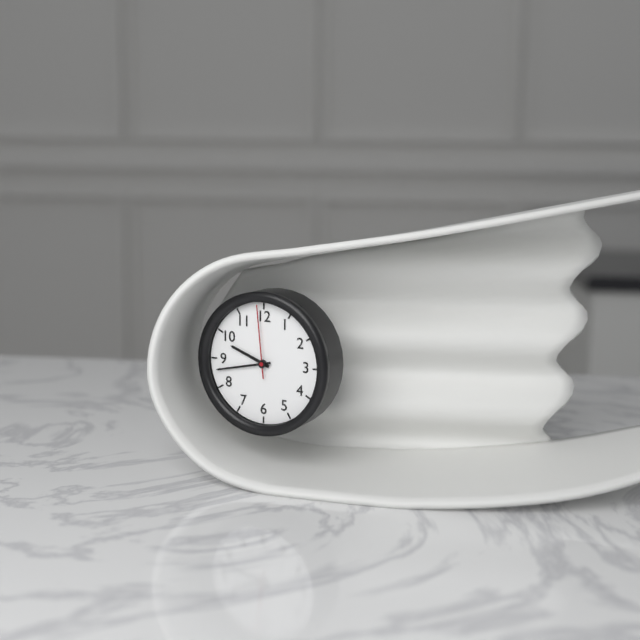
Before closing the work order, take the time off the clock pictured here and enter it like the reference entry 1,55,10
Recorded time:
9,43,59
